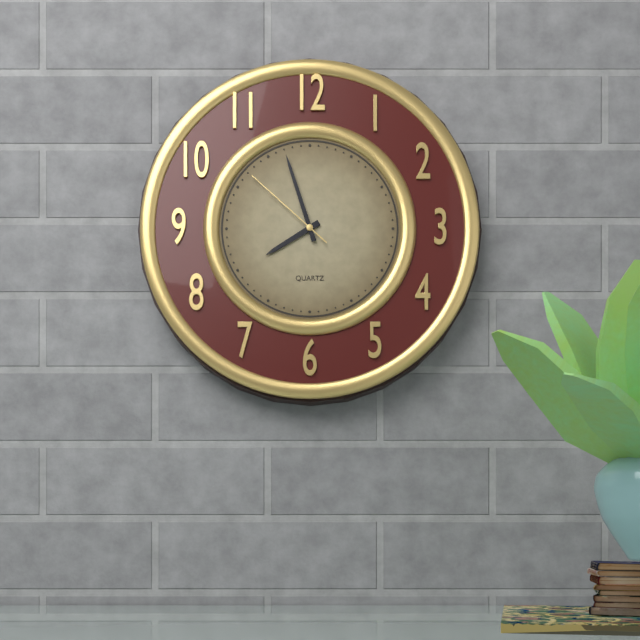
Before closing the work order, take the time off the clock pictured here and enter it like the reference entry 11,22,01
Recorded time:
7,57,52
